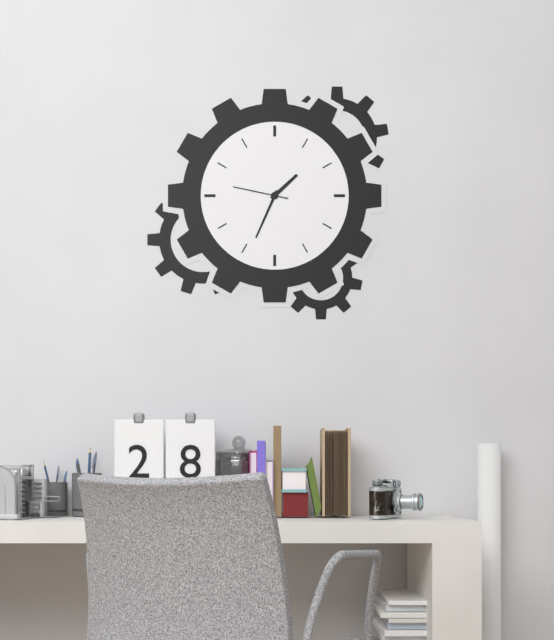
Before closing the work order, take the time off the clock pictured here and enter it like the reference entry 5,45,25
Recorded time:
1,34,47
